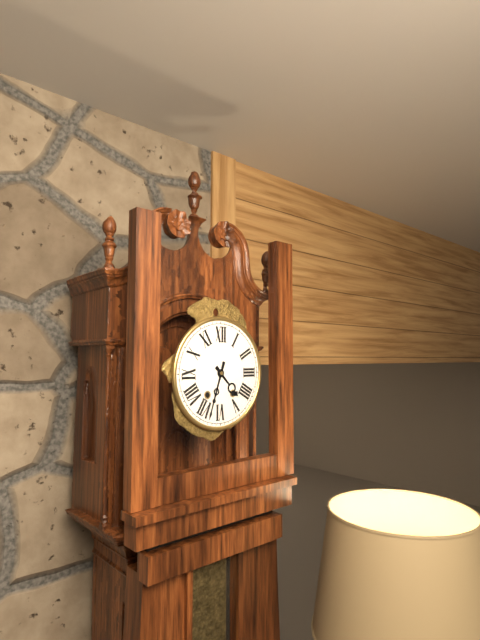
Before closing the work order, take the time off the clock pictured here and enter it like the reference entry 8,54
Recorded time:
4,33
